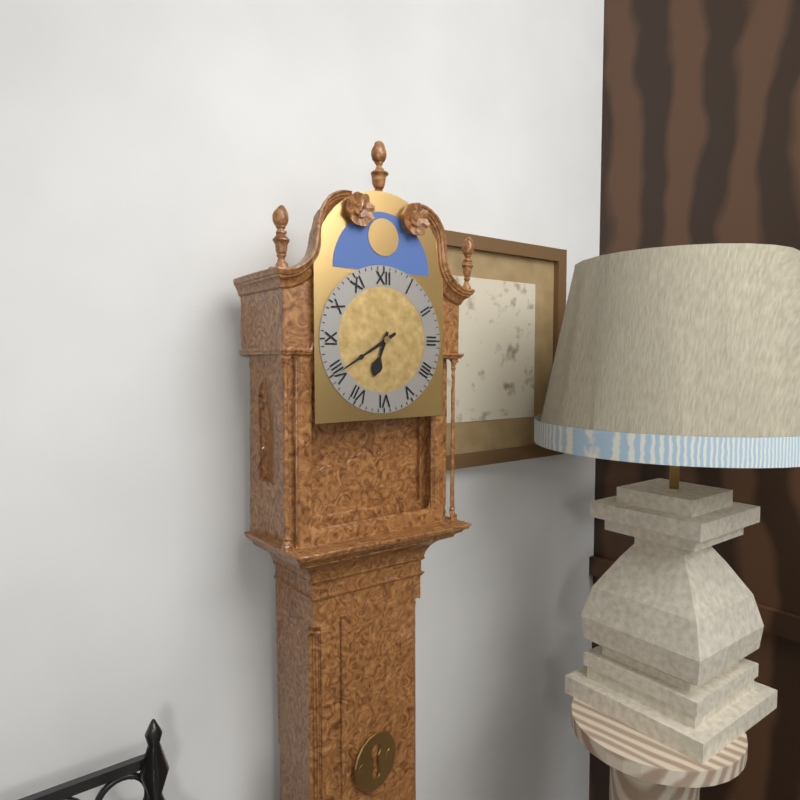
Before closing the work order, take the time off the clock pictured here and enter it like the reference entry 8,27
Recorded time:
6,40
